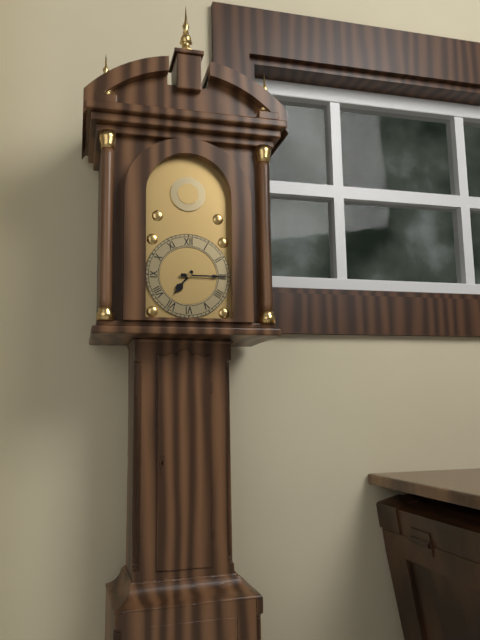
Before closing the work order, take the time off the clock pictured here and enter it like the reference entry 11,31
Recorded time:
7,15
